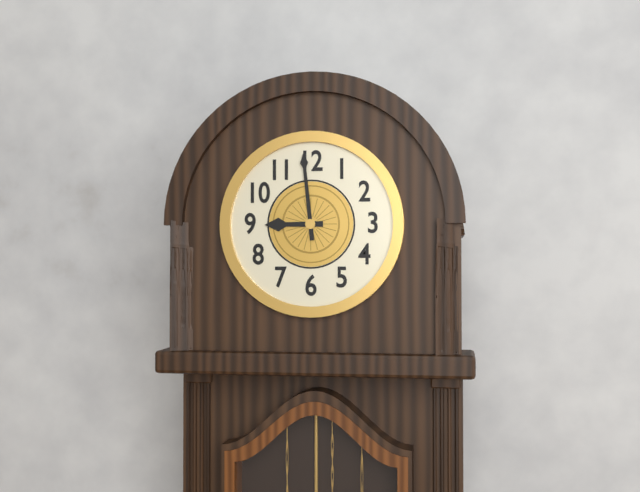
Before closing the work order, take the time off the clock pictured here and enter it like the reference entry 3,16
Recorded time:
8,59
